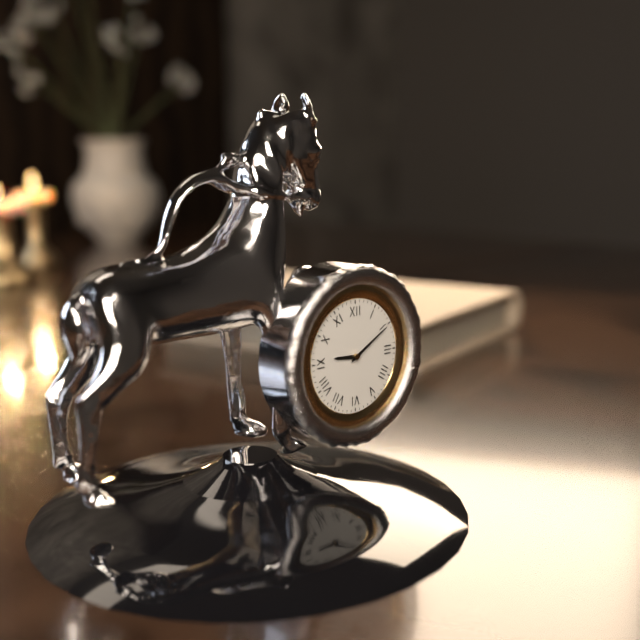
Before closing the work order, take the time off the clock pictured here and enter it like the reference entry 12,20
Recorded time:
9,10
